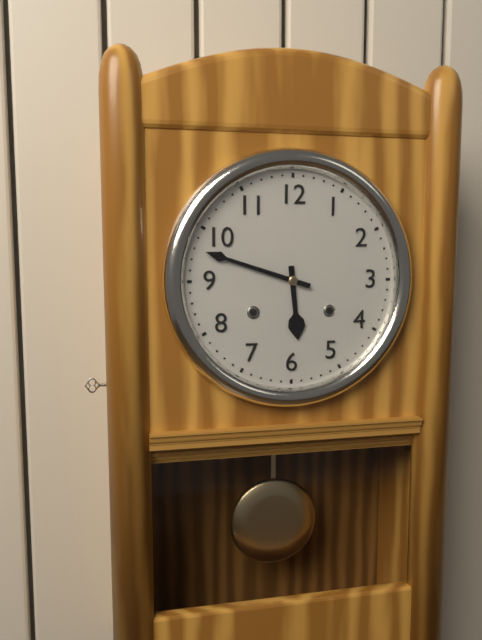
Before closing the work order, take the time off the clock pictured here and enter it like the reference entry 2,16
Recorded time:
5,48
